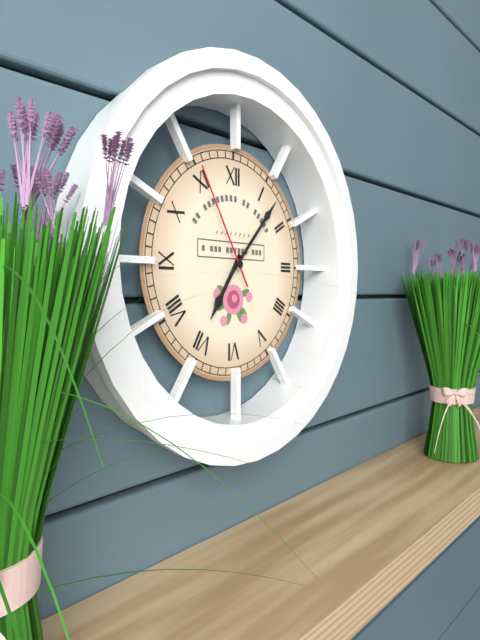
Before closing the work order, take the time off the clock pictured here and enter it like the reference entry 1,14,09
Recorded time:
7,07,55
